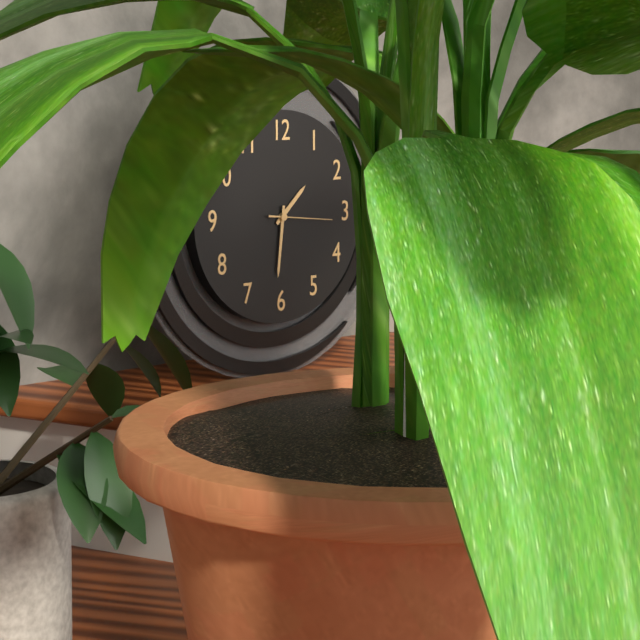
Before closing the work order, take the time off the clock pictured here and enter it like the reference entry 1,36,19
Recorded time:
1,31,16
